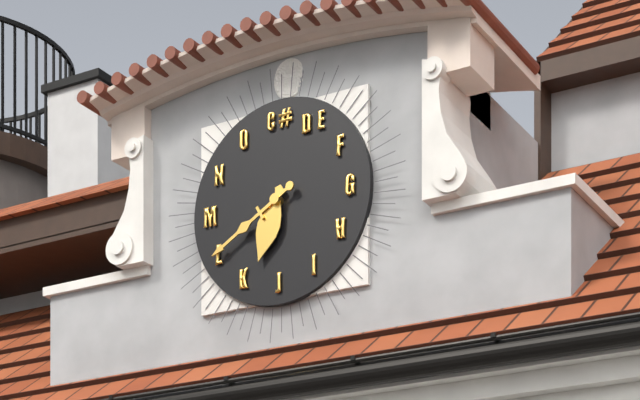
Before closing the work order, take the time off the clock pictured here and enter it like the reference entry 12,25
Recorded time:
6,40
